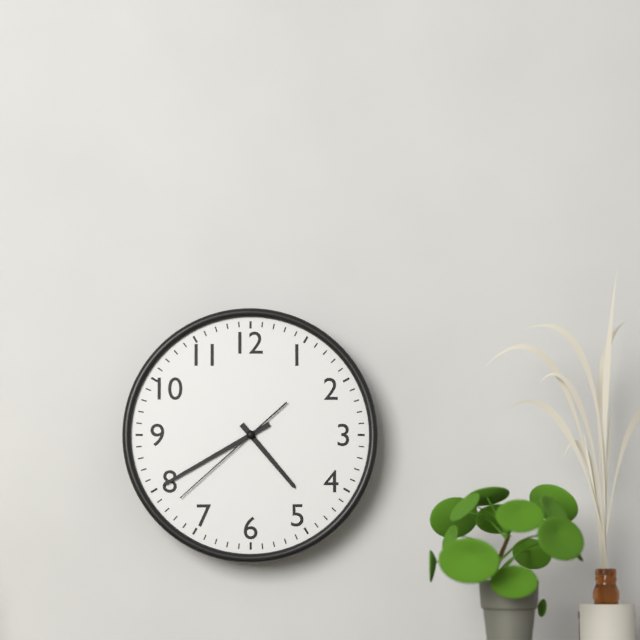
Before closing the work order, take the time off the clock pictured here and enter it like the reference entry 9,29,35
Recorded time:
4,40,38
